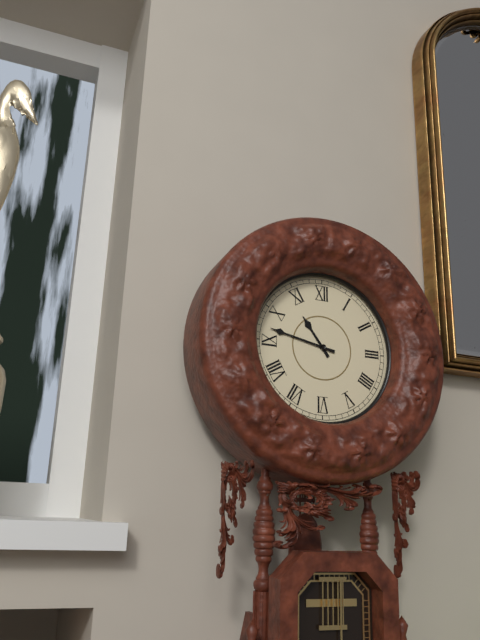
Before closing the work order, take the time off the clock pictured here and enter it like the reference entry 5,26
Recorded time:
10,47
